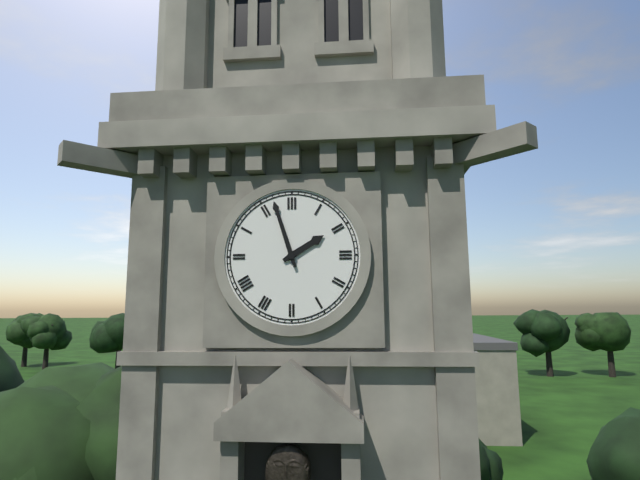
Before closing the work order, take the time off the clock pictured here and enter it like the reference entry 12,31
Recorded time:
1,57
